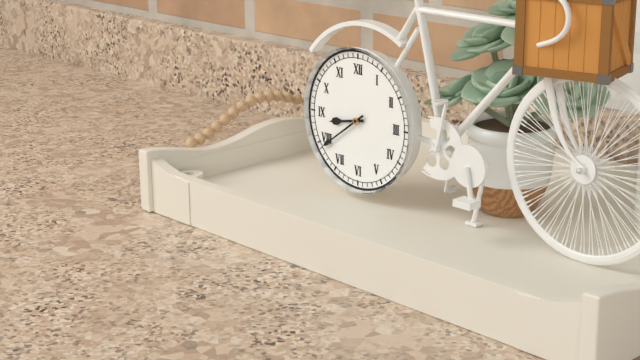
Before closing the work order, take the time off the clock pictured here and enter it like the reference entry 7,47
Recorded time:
8,39
